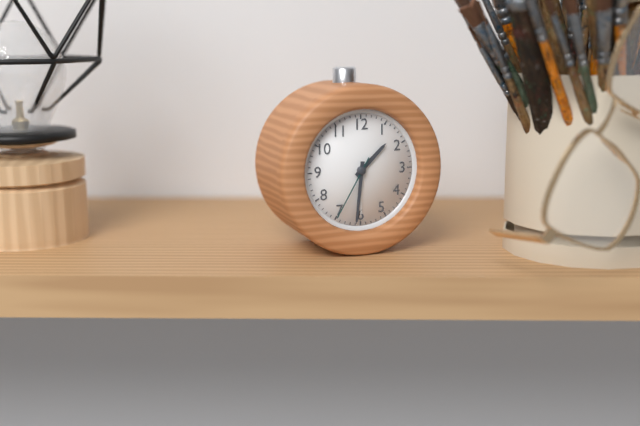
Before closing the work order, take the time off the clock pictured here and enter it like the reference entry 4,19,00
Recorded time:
1,31,35
